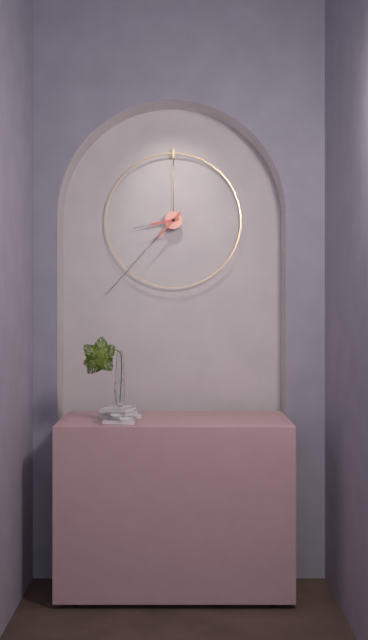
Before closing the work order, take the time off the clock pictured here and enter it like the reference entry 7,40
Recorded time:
8,37
